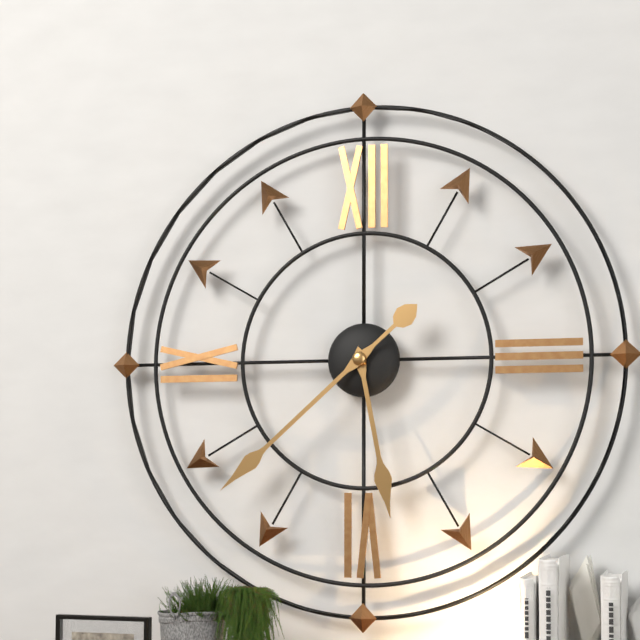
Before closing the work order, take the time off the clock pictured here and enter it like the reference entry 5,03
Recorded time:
5,38
